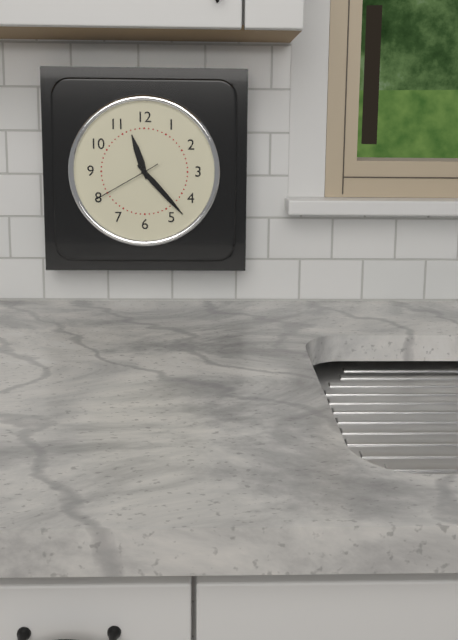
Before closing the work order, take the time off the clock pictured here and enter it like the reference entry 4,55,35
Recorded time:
11,23,40
